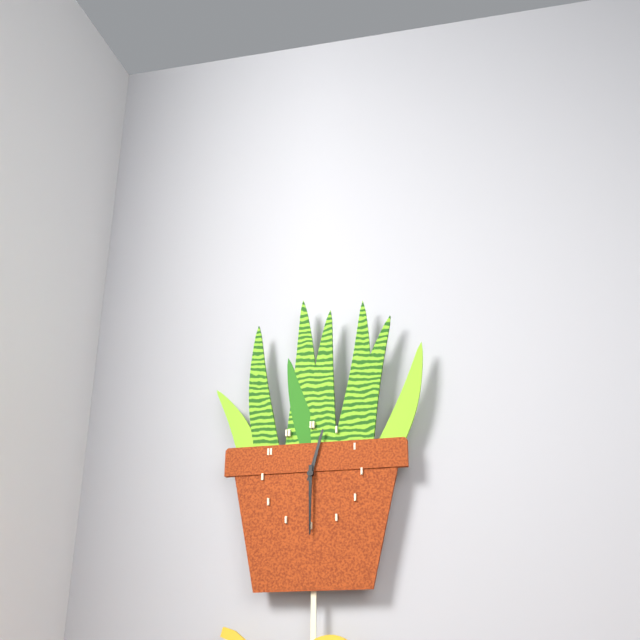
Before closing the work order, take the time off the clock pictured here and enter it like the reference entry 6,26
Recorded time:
12,30
